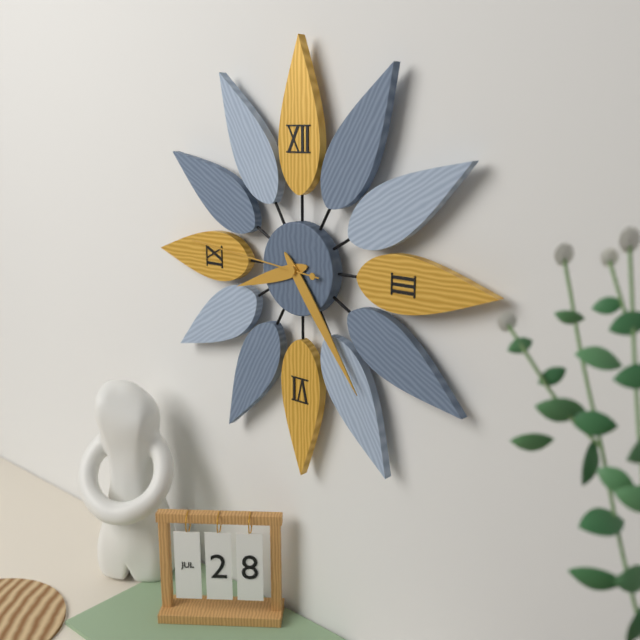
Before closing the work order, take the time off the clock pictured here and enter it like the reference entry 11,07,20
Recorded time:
8,24,46
